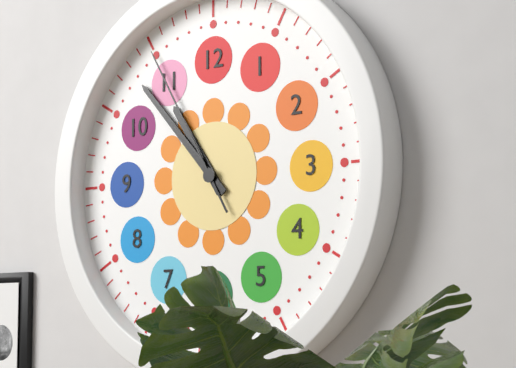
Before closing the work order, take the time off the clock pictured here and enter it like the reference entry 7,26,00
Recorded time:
10,53,55
